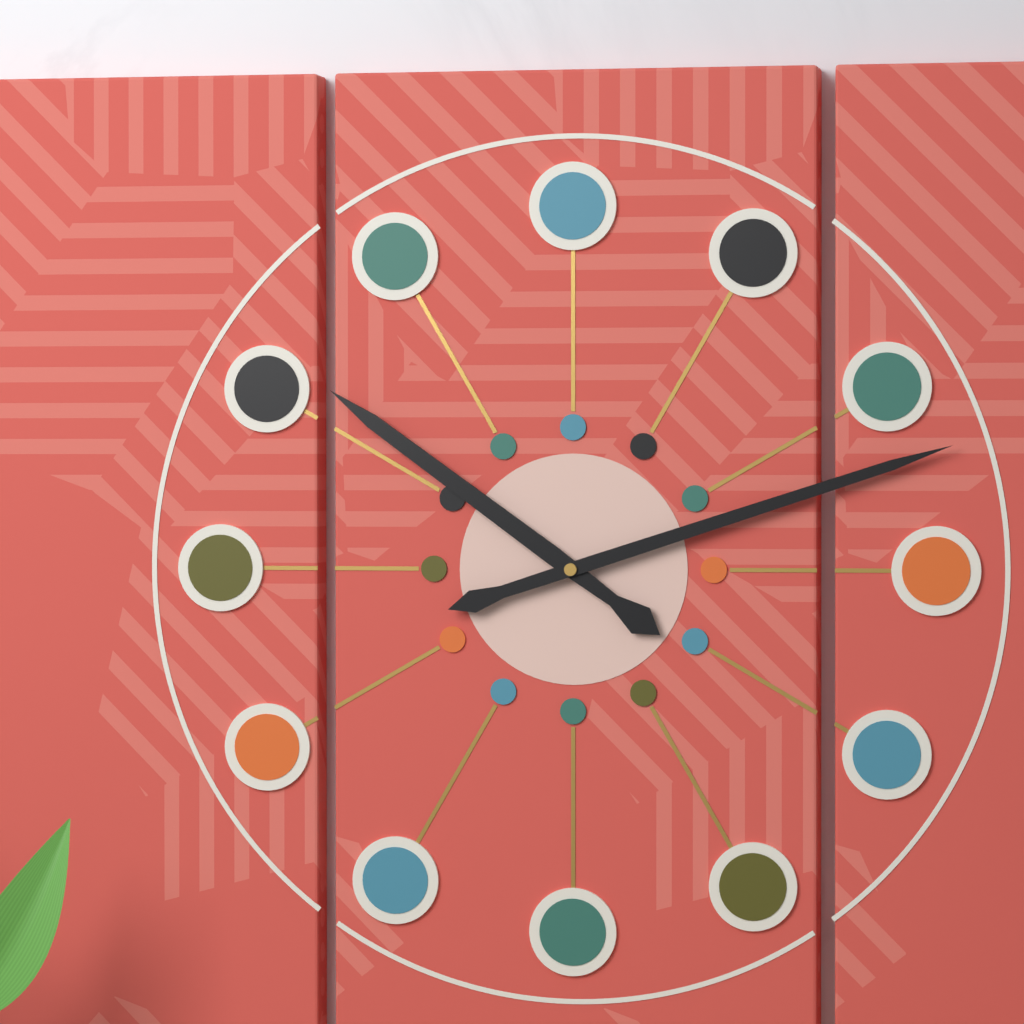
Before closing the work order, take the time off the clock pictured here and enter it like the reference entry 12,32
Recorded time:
10,12
